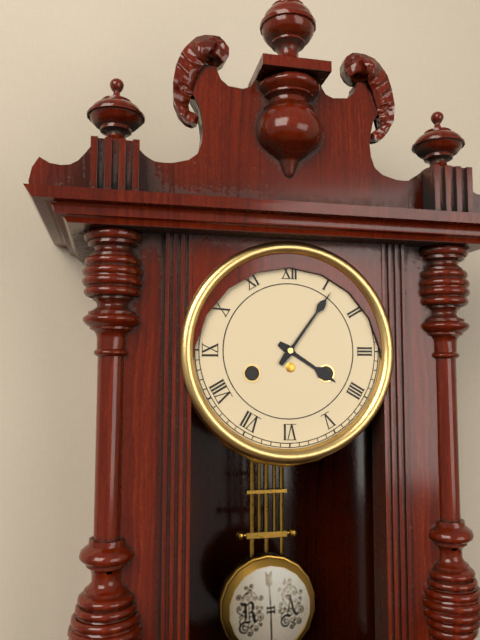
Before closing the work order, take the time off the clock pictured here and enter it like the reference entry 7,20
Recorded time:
4,06
